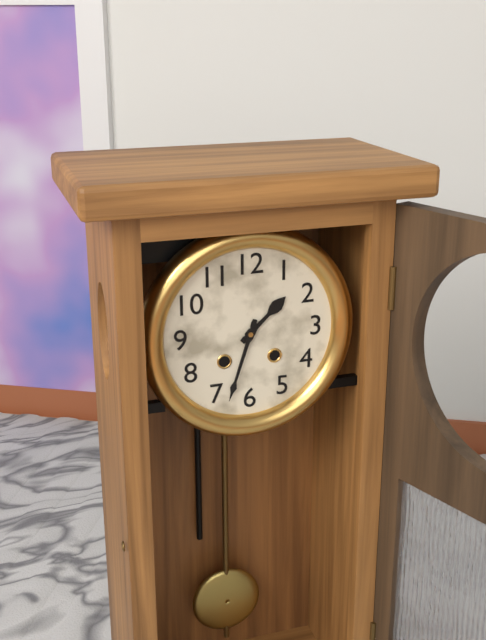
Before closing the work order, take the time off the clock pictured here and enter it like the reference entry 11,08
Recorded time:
1,33
